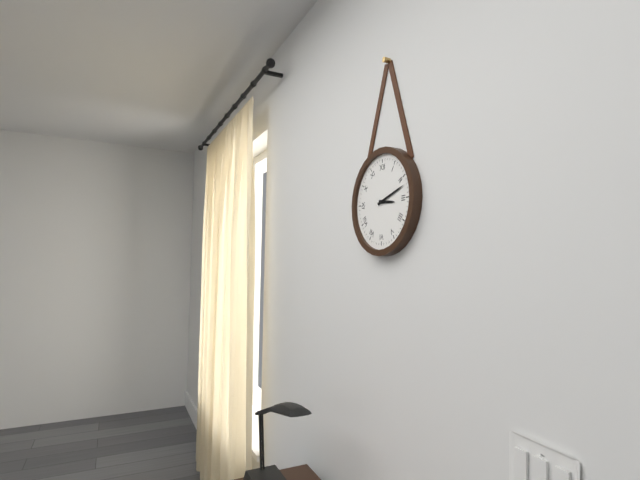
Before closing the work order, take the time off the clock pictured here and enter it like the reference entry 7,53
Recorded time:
3,12
